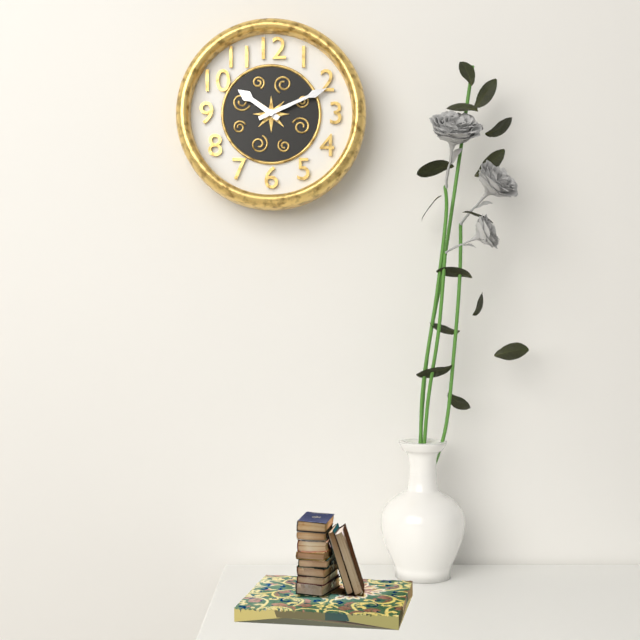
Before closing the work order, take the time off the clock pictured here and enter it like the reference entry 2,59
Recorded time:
10,11
